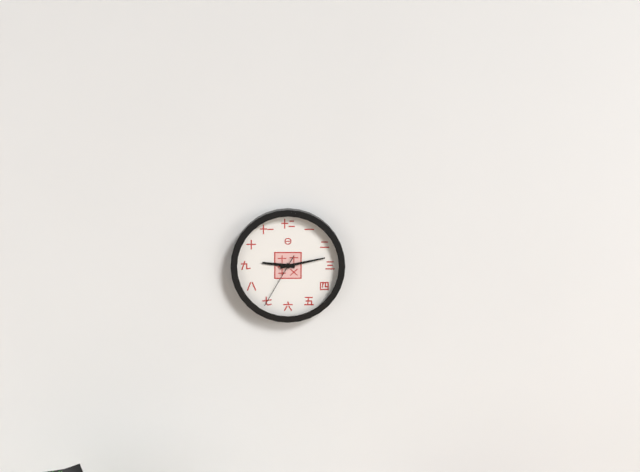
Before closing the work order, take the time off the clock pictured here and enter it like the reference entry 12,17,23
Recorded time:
9,13,35
